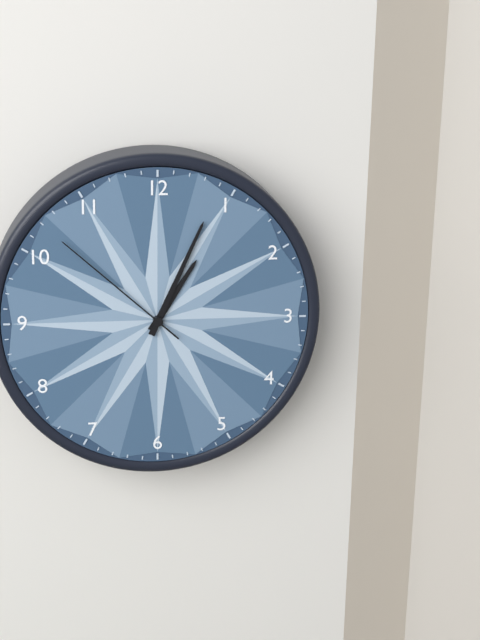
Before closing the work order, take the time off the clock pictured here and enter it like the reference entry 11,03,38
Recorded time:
1,04,52
